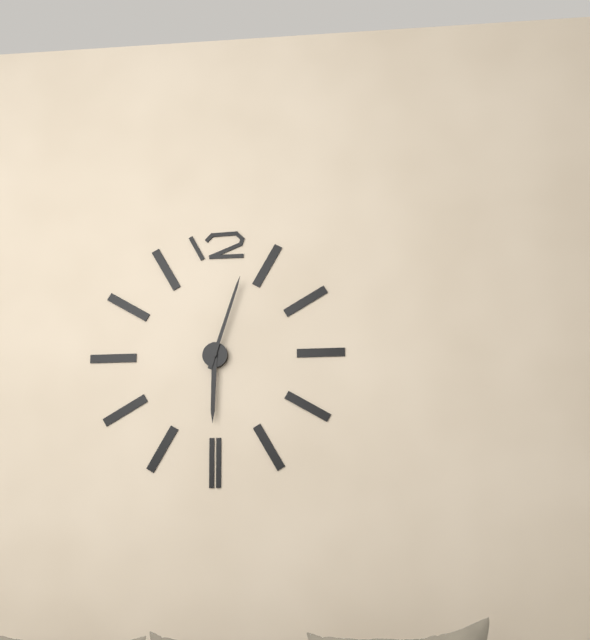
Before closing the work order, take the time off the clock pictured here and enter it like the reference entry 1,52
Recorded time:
6,03
